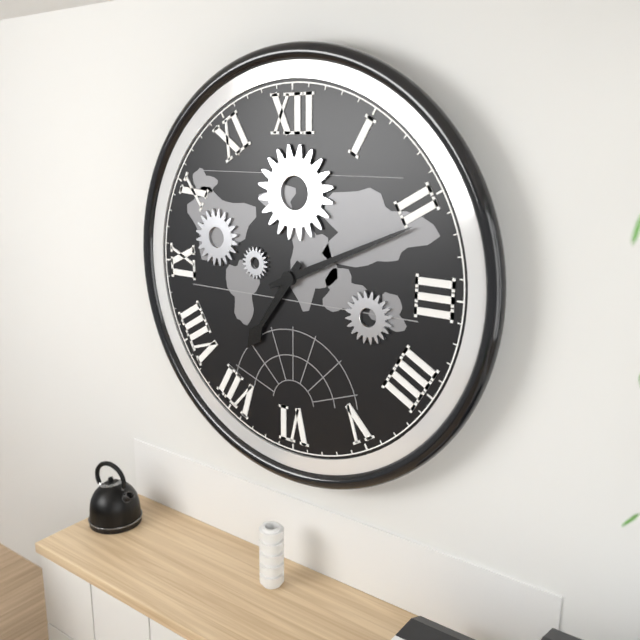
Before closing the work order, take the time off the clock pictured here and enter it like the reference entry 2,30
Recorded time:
7,11
